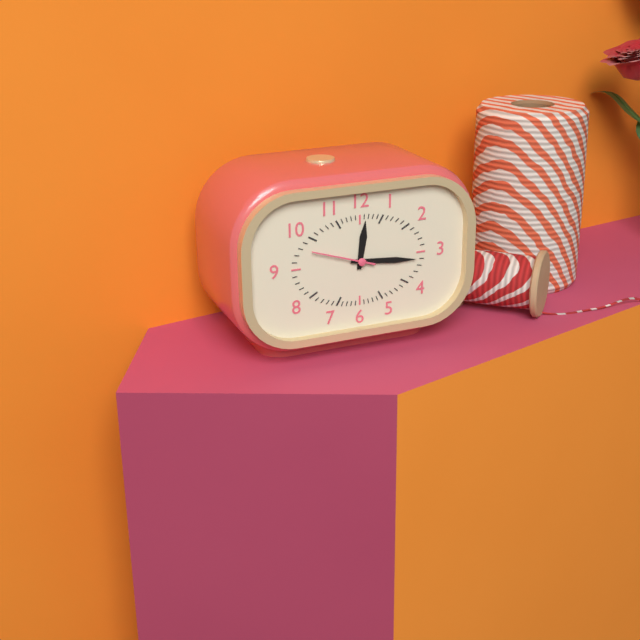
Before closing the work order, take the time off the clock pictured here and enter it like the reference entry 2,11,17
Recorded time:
12,16,48
